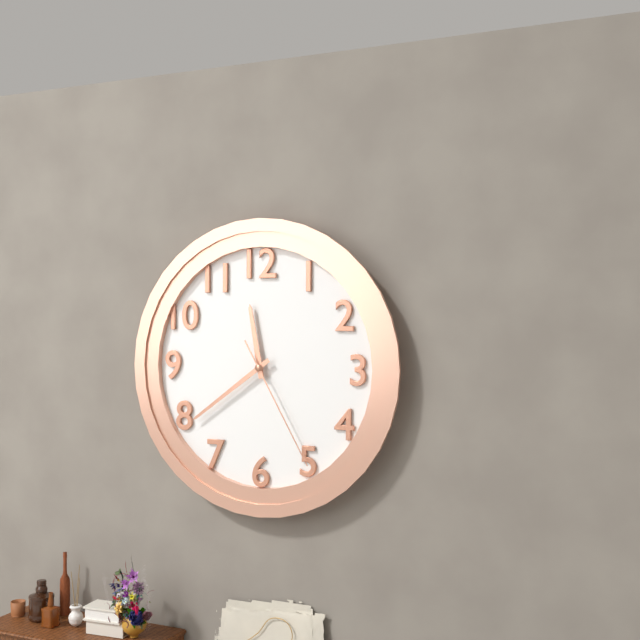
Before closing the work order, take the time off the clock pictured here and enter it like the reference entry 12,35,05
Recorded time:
11,39,25
